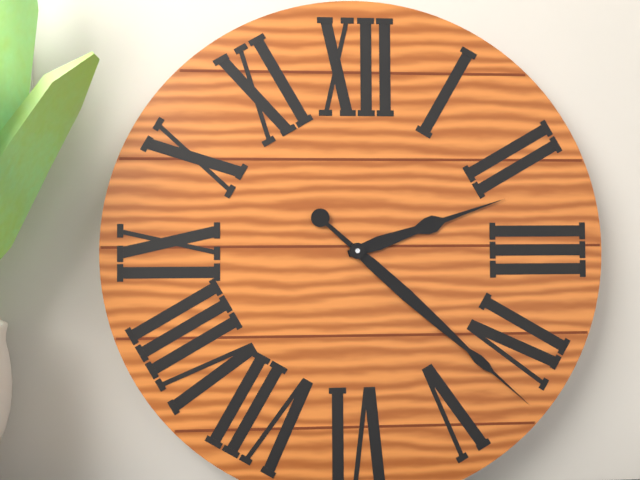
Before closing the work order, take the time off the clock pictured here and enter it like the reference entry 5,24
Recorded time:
2,22
